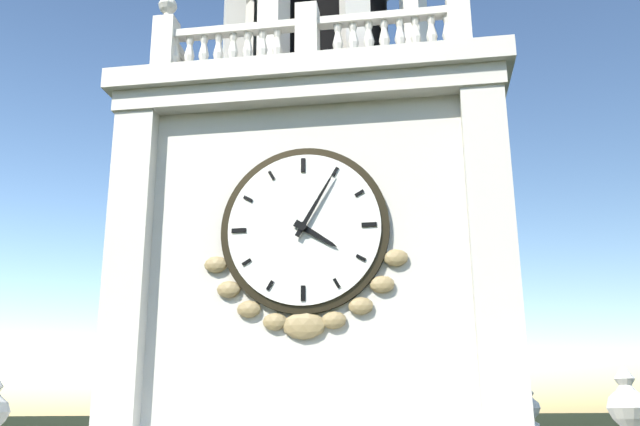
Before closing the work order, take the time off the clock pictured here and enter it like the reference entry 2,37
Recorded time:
4,05
